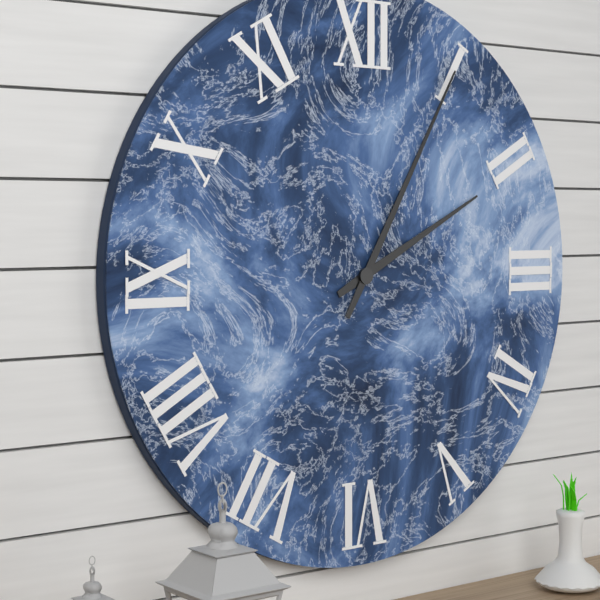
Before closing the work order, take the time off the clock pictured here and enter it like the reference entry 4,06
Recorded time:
2,05
